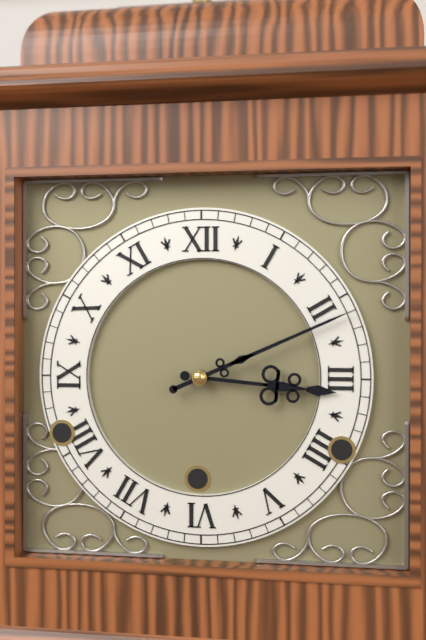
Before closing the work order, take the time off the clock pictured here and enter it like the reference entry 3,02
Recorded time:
3,11
